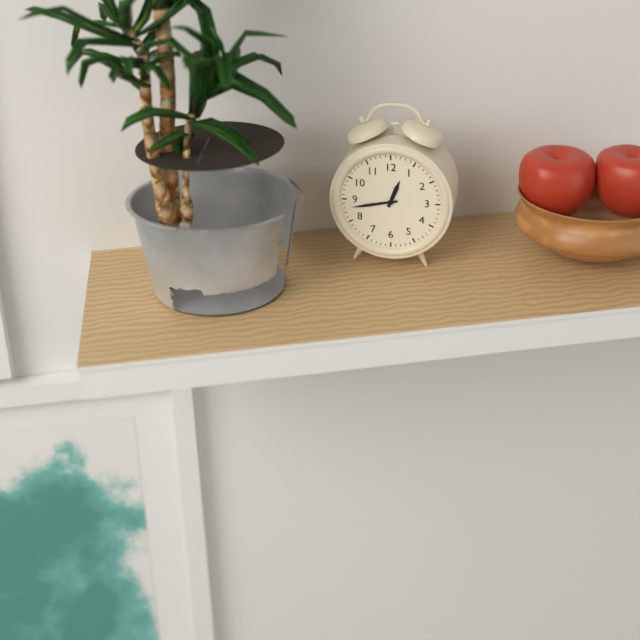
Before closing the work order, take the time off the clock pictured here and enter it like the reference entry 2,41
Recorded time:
12,43
